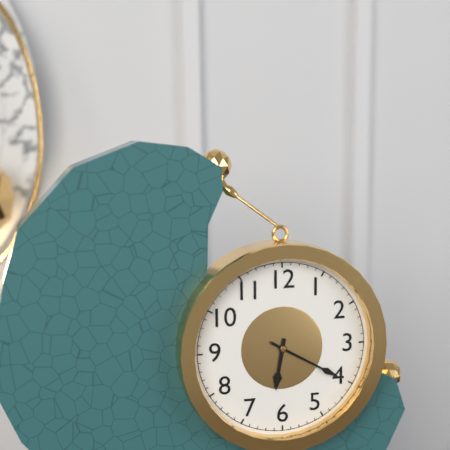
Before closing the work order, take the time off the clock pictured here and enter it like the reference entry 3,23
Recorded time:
6,20
